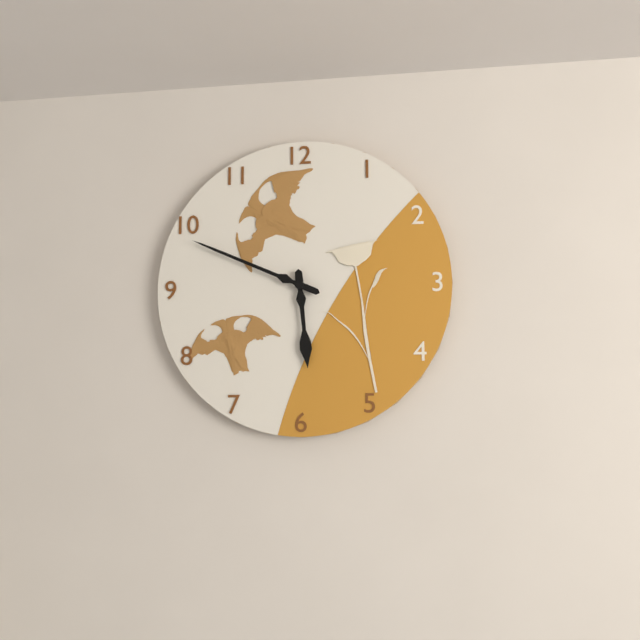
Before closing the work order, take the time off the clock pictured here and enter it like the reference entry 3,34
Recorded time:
5,49
